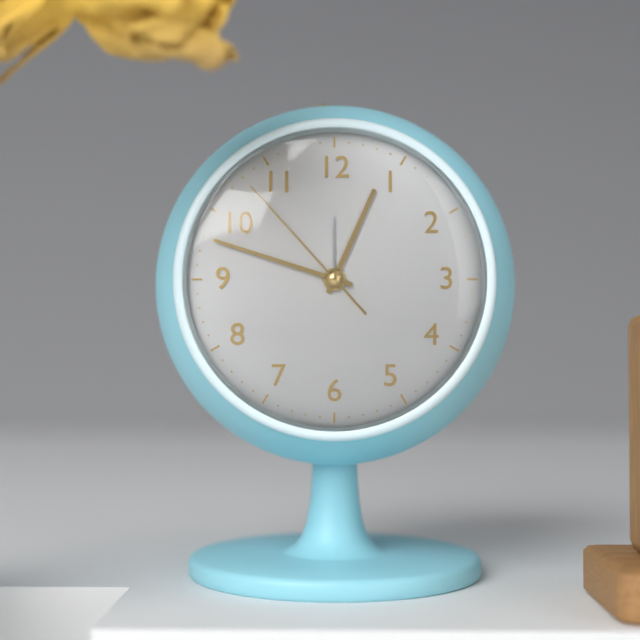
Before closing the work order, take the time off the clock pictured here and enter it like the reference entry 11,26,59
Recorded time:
12,48,53
